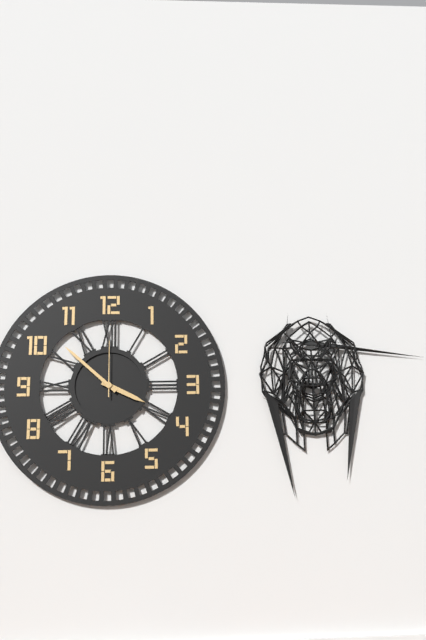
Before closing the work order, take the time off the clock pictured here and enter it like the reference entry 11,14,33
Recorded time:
3,52,00
